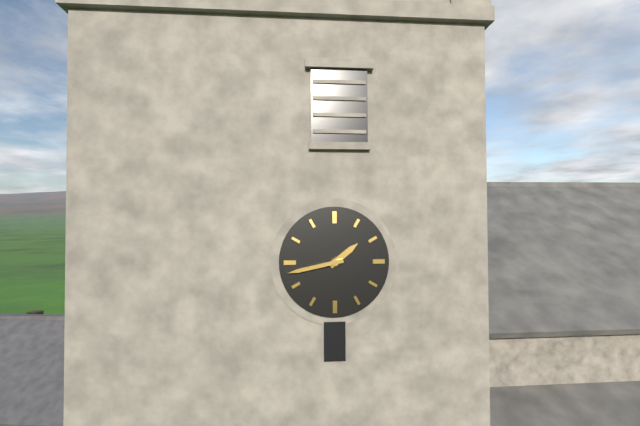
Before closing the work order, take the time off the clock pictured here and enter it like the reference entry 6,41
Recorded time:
1,43
